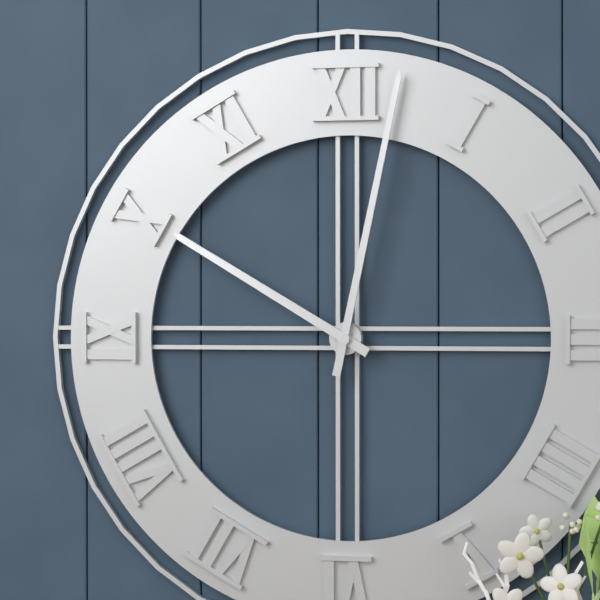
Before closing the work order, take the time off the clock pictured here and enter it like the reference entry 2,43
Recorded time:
10,02
